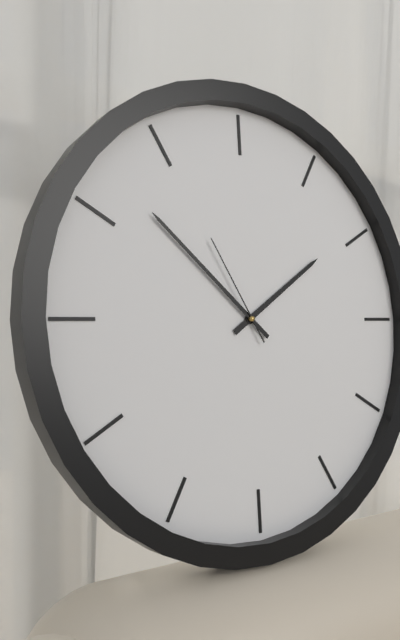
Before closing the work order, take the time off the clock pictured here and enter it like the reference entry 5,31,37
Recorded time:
1,52,55
